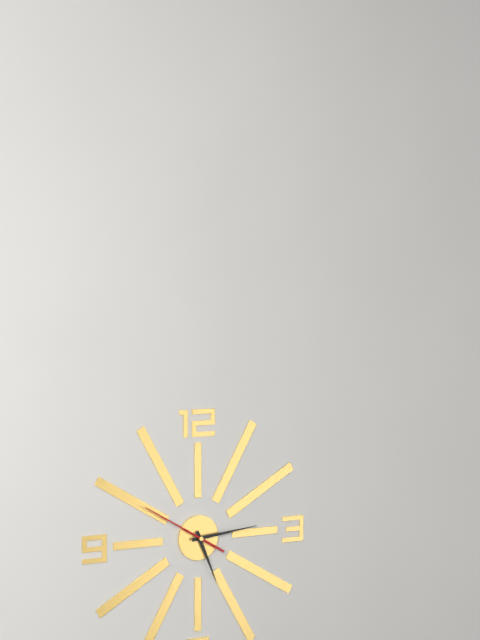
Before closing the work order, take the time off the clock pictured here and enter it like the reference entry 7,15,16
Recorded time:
5,14,50
